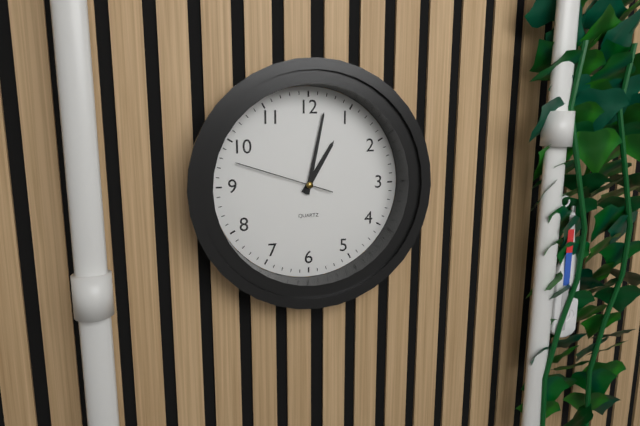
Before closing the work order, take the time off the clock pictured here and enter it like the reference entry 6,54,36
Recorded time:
1,02,48
